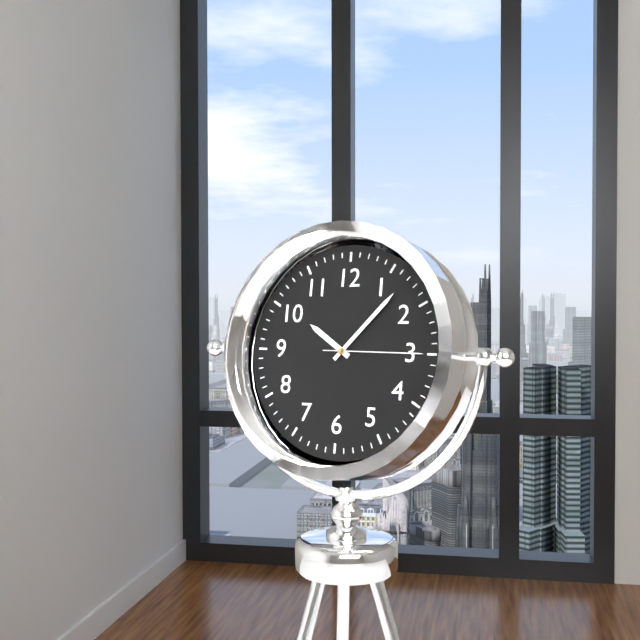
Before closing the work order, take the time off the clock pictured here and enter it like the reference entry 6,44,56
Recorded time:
10,07,15
